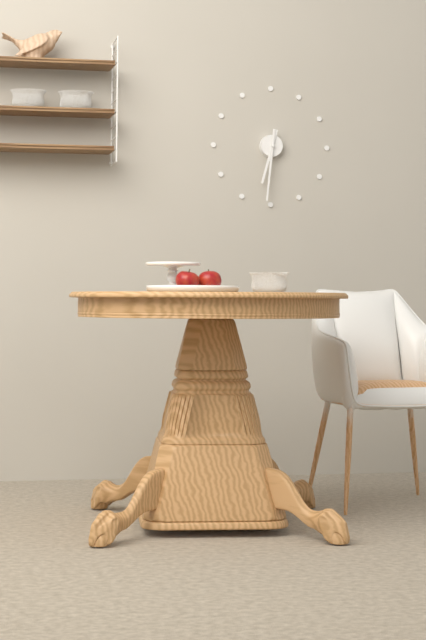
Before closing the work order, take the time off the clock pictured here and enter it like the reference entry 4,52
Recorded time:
6,31
